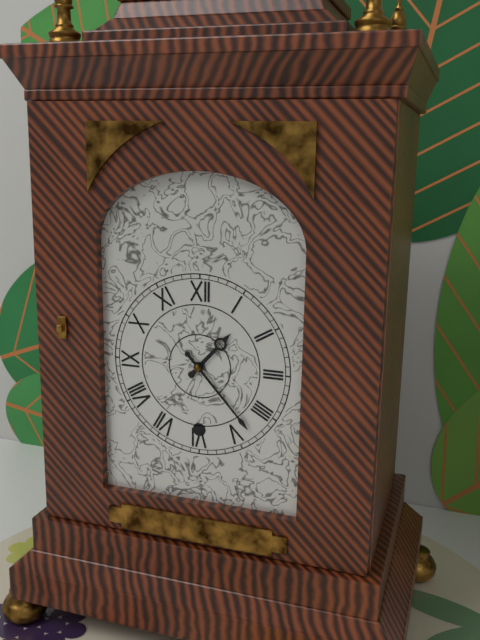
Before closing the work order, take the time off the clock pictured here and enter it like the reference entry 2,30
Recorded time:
1,23
